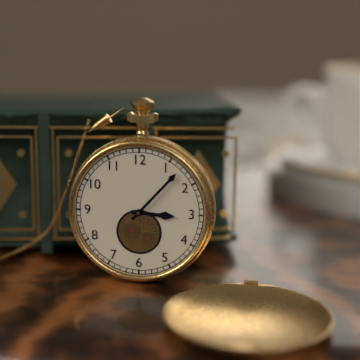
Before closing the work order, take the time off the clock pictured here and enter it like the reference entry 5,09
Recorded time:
3,07
